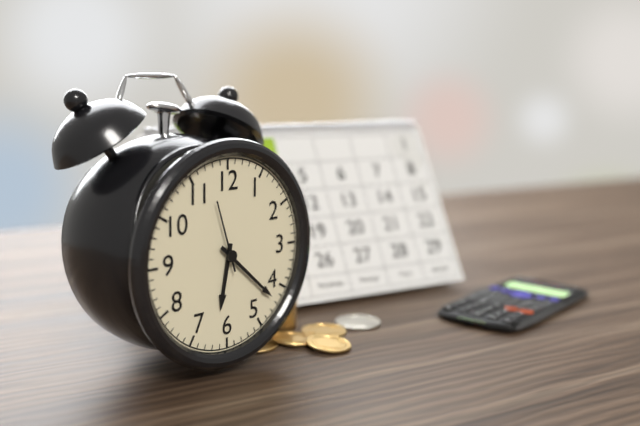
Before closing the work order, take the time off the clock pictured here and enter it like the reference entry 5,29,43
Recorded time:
6,22,57
